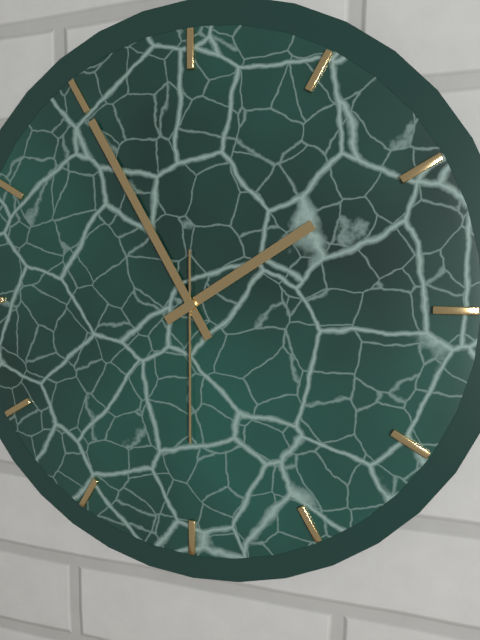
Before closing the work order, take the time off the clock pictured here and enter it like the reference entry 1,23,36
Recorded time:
1,55,30
